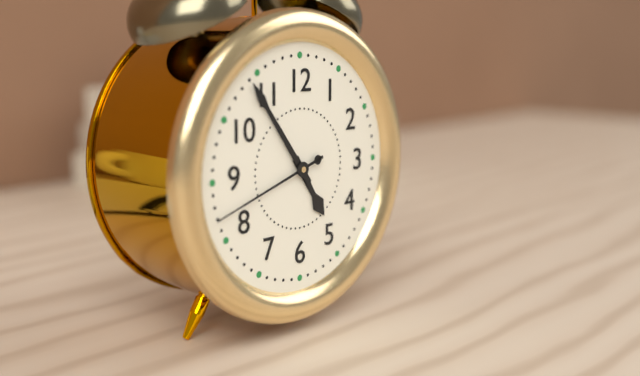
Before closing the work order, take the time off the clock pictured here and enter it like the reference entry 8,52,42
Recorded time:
4,54,42
